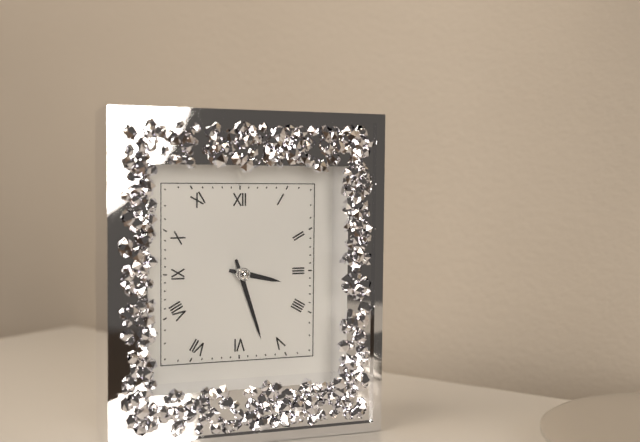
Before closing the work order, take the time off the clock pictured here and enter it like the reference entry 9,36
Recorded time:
3,27
